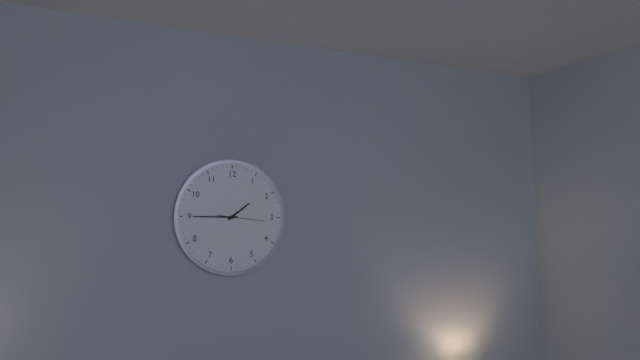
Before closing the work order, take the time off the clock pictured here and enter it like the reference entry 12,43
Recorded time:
1,45
